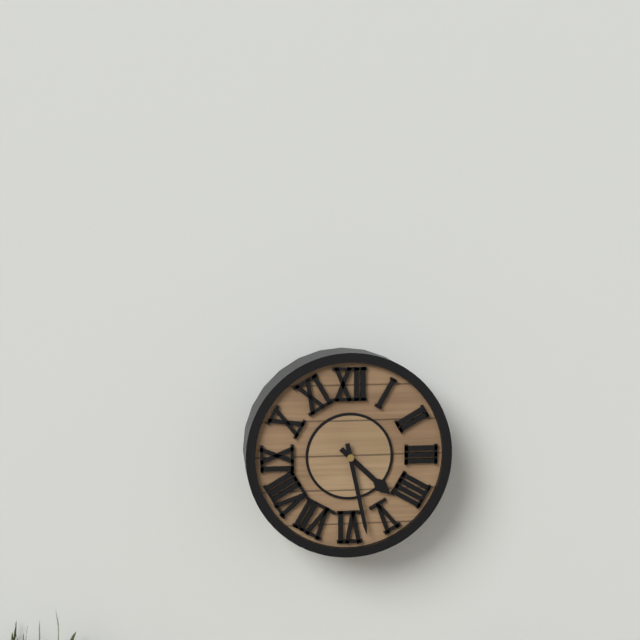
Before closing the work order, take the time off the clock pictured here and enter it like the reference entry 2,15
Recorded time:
4,28
